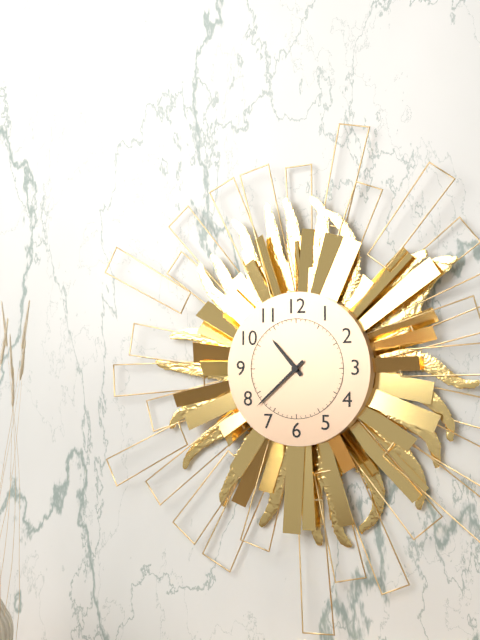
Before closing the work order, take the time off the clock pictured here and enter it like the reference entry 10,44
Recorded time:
10,38
